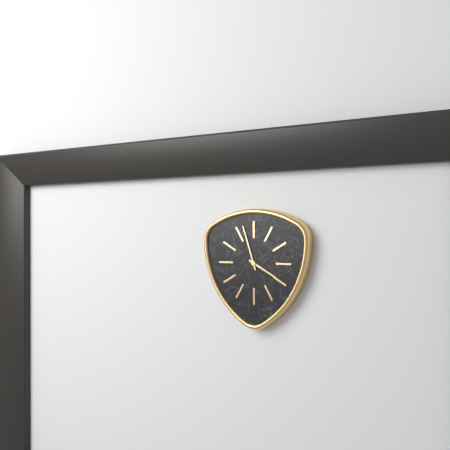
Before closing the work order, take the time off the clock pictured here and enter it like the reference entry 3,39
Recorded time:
3,57
